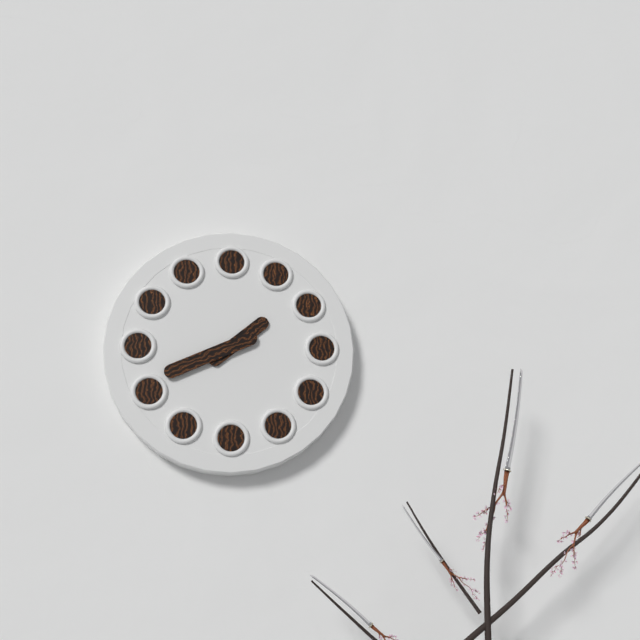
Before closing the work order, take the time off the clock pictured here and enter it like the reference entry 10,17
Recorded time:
1,41
